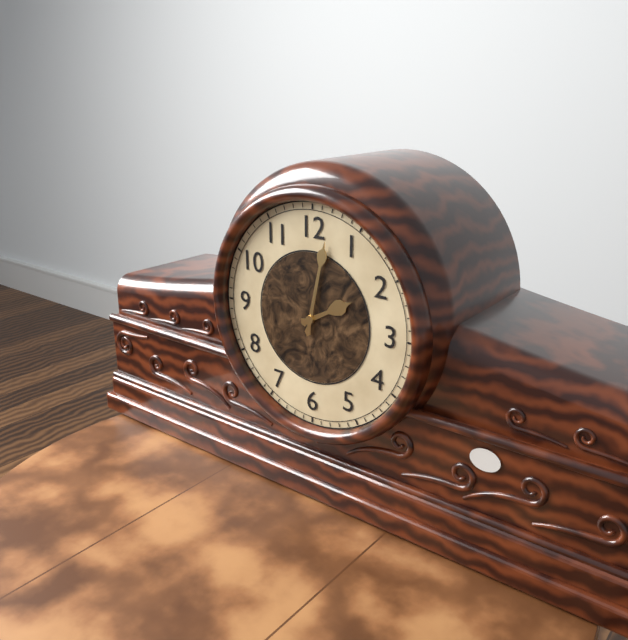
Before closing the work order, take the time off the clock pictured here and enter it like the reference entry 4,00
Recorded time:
2,02
